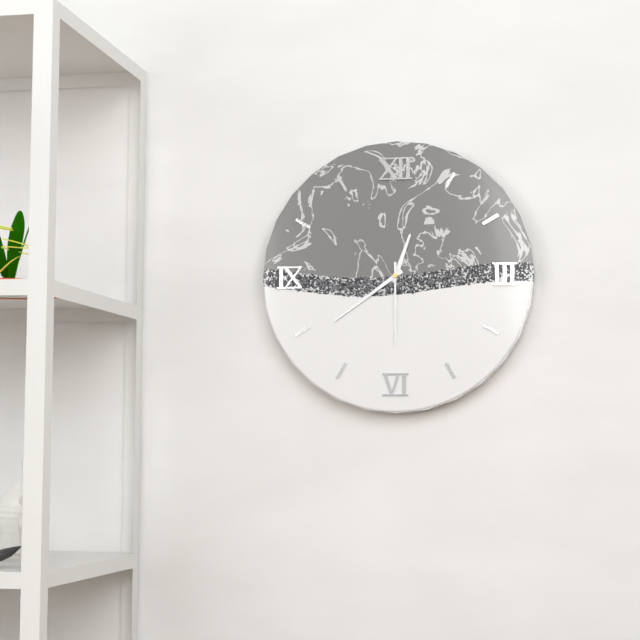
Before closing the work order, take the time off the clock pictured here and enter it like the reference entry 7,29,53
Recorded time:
12,39,30
